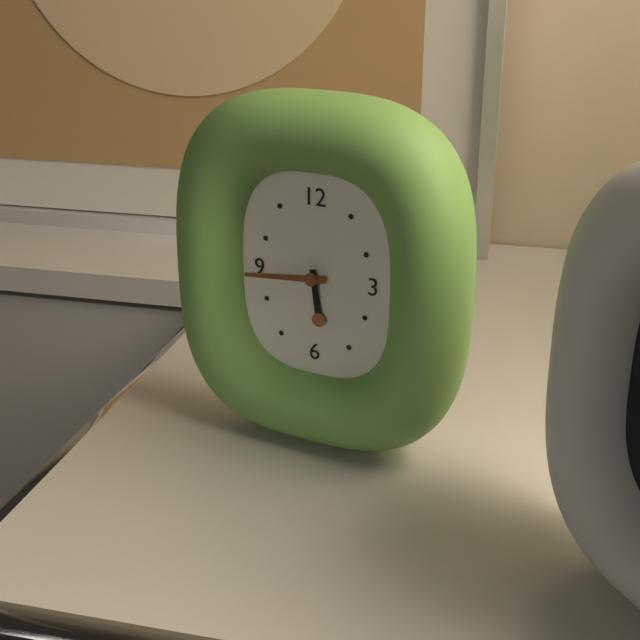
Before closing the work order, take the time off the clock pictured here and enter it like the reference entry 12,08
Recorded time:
5,44
